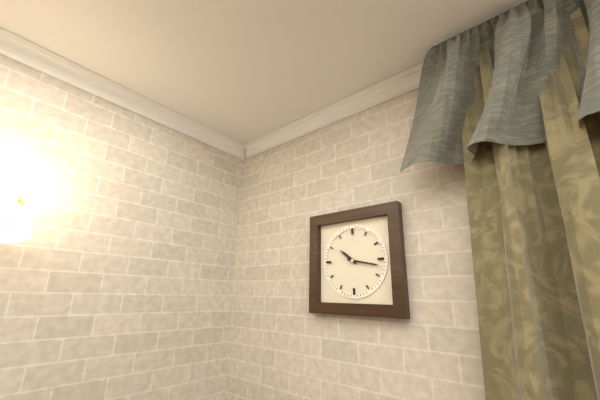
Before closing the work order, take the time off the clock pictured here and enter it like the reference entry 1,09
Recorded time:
10,17
